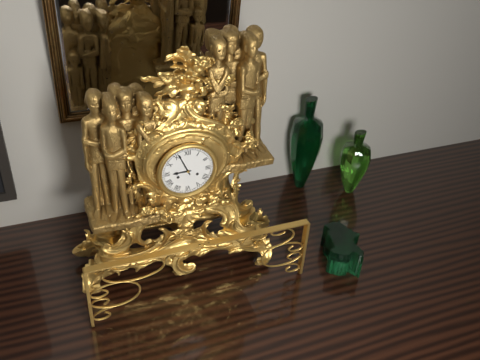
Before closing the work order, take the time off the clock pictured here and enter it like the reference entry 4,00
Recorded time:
8,56
